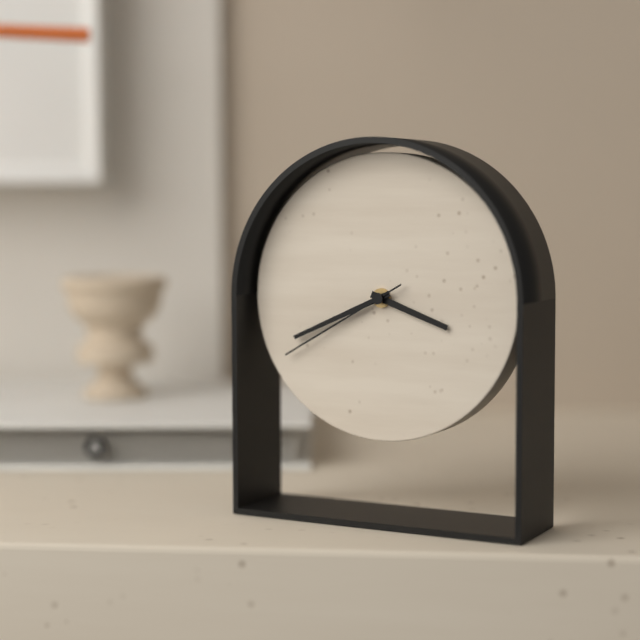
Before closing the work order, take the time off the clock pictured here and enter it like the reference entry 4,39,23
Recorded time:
3,41,40
